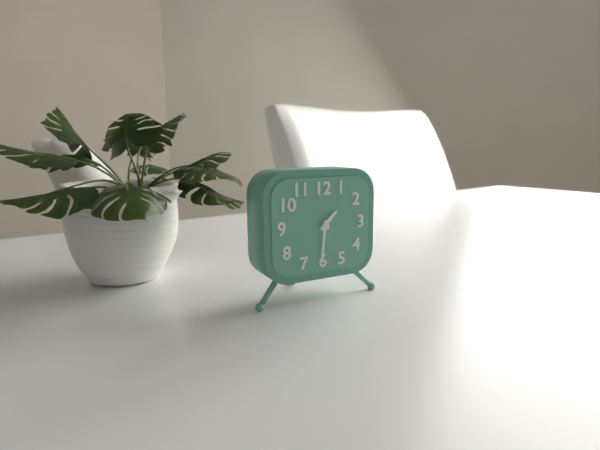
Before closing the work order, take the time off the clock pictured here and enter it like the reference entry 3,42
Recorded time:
1,31
